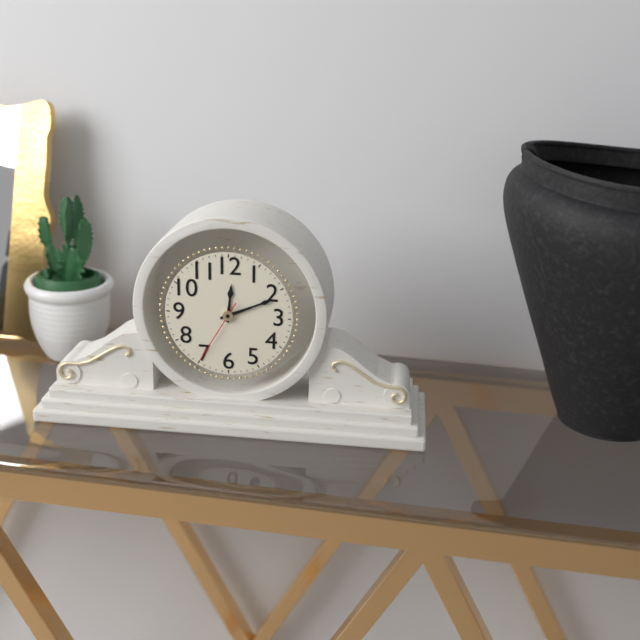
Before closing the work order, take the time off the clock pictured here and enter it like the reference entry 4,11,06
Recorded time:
12,11,35
